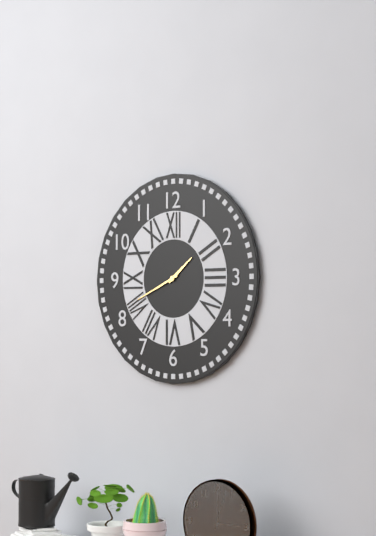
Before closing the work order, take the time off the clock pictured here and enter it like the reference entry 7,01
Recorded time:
1,41
